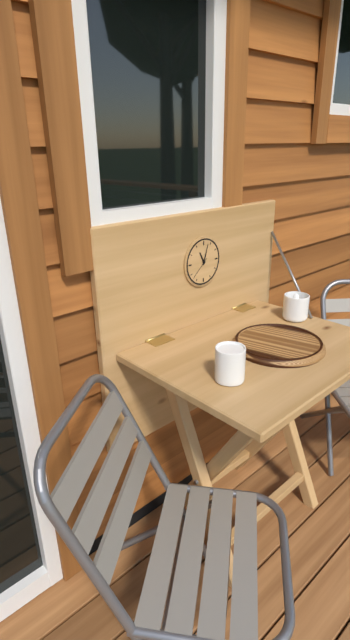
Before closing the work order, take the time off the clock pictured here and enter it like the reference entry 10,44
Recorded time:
11,03
